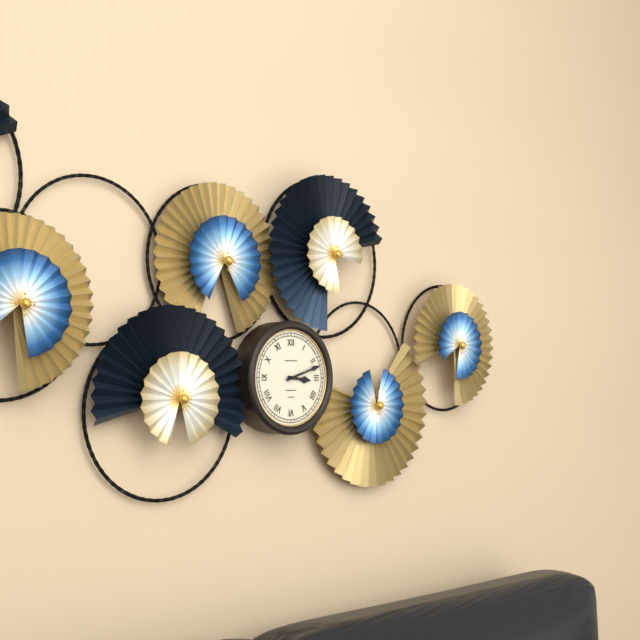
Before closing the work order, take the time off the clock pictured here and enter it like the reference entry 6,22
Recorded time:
3,12
